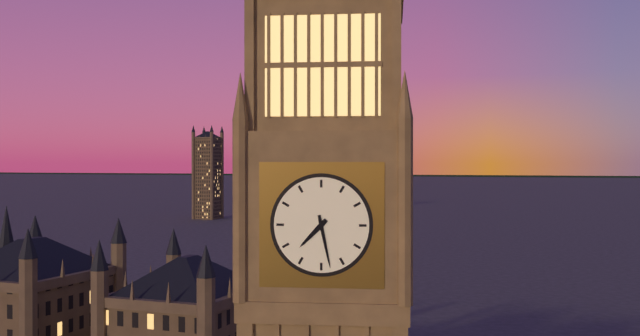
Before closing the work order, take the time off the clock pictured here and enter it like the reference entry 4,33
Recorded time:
7,28
